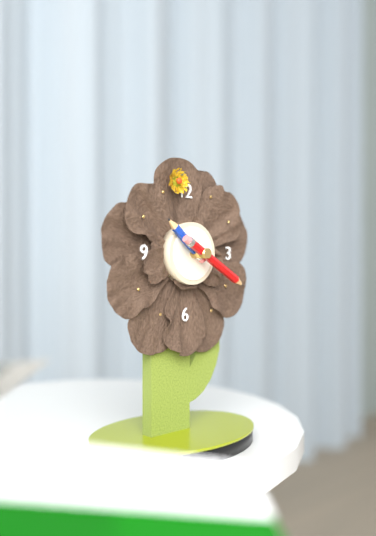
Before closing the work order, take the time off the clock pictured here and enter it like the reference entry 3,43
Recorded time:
10,20
